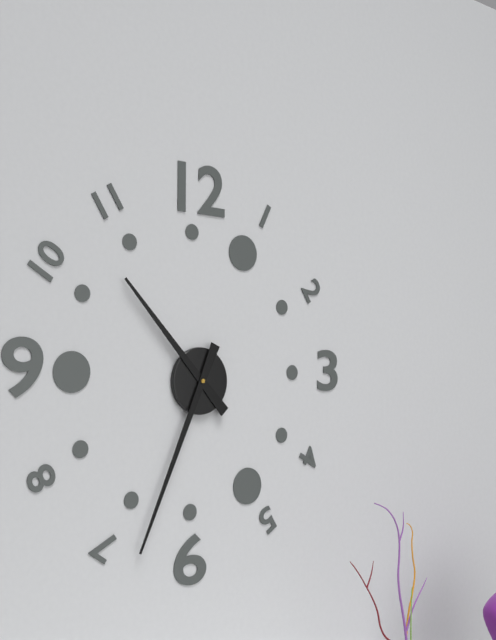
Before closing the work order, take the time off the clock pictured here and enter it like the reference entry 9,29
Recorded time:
10,34
